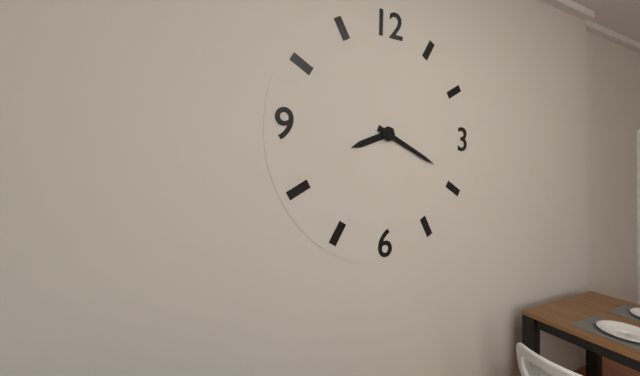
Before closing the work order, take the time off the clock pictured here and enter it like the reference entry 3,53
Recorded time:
8,19
